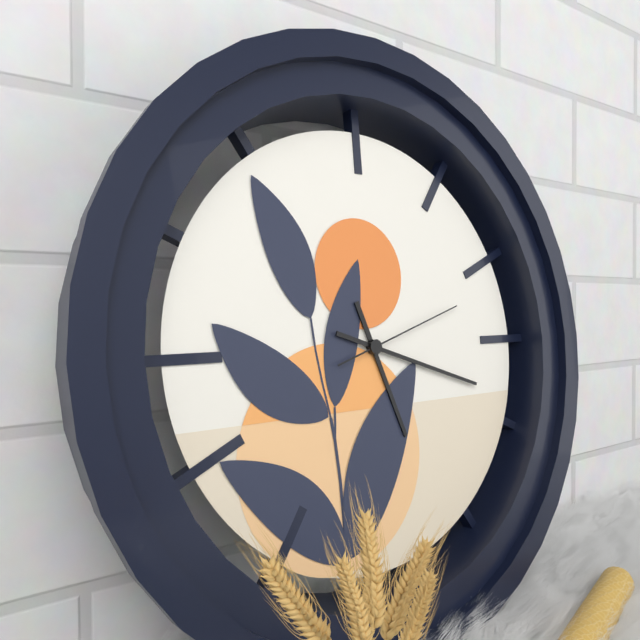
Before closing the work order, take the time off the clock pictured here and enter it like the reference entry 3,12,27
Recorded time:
5,18,12
